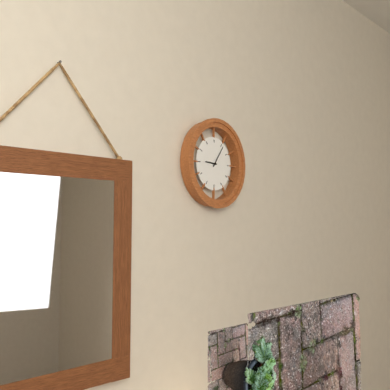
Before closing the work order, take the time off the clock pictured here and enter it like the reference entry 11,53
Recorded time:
9,06
